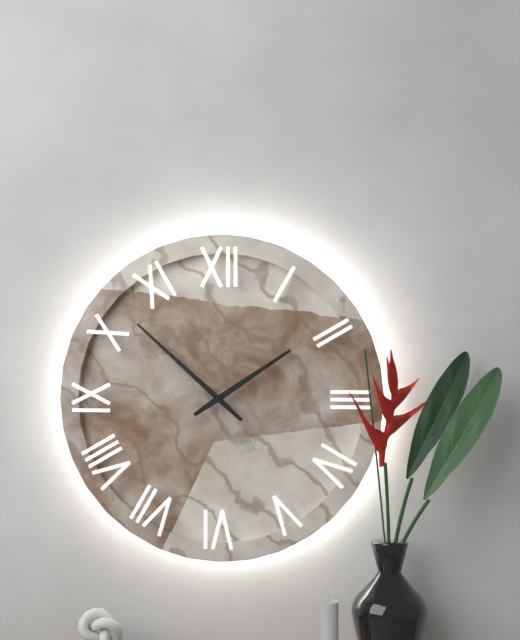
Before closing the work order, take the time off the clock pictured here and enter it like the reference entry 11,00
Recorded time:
1,52
